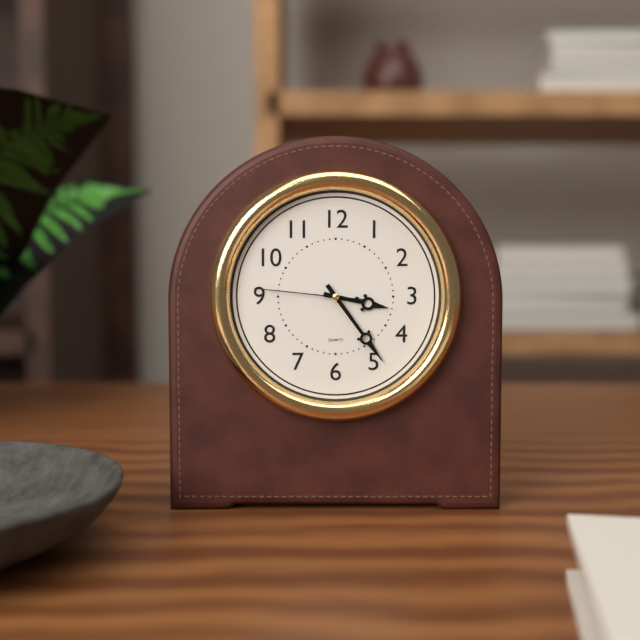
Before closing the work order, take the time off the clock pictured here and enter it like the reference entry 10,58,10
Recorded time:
3,24,46
